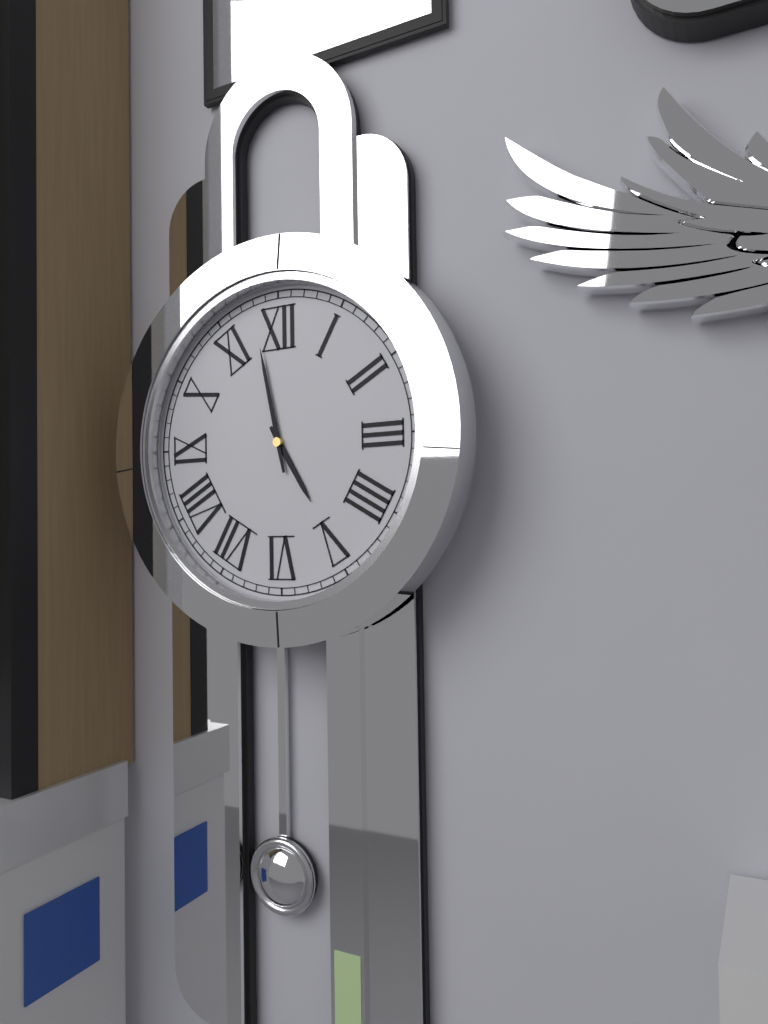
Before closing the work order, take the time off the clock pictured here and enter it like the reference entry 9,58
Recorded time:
4,58
